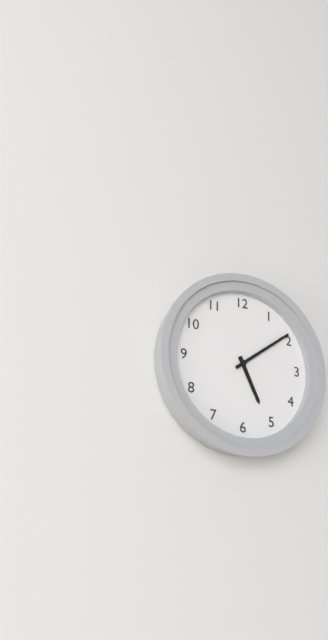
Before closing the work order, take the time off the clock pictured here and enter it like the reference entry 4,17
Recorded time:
5,09
